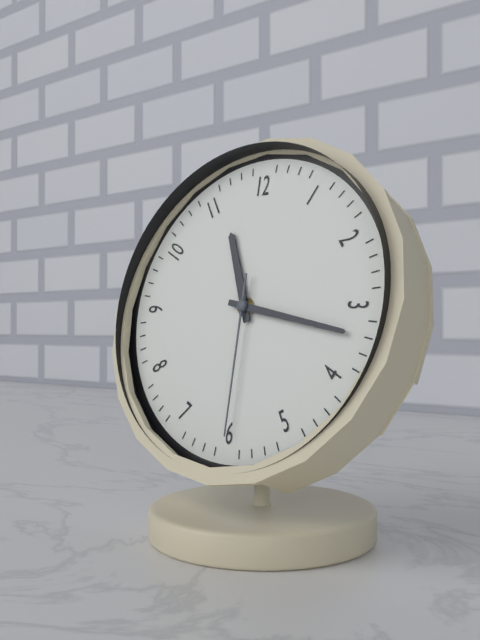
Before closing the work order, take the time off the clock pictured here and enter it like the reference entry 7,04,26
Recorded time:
11,17,30
